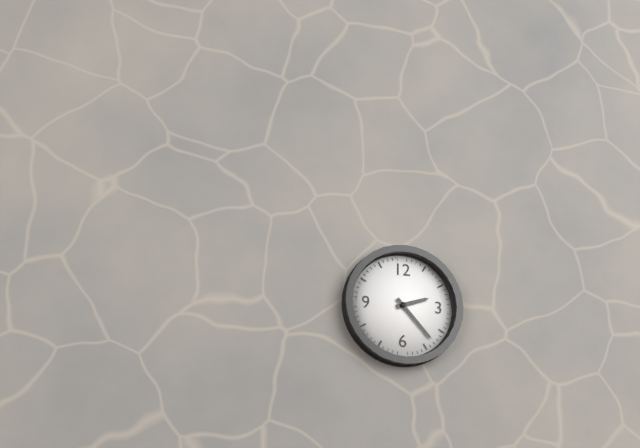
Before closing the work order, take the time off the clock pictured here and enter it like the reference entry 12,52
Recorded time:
2,23
